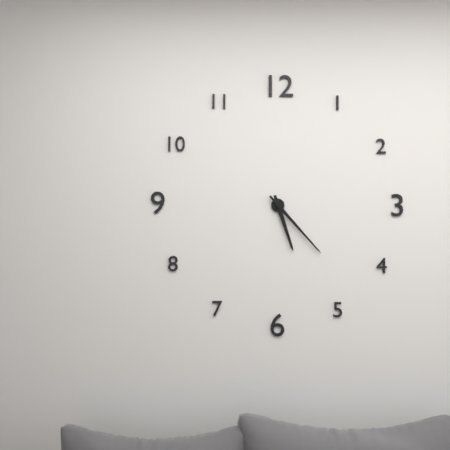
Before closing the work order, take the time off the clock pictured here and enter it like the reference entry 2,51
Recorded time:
5,23
